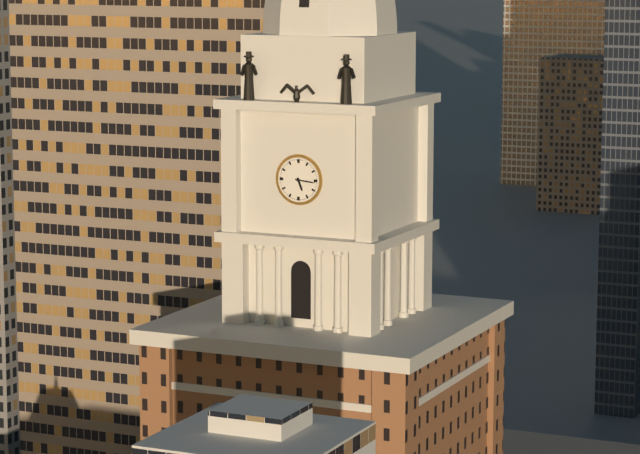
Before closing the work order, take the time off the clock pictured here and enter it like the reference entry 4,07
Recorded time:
5,16
